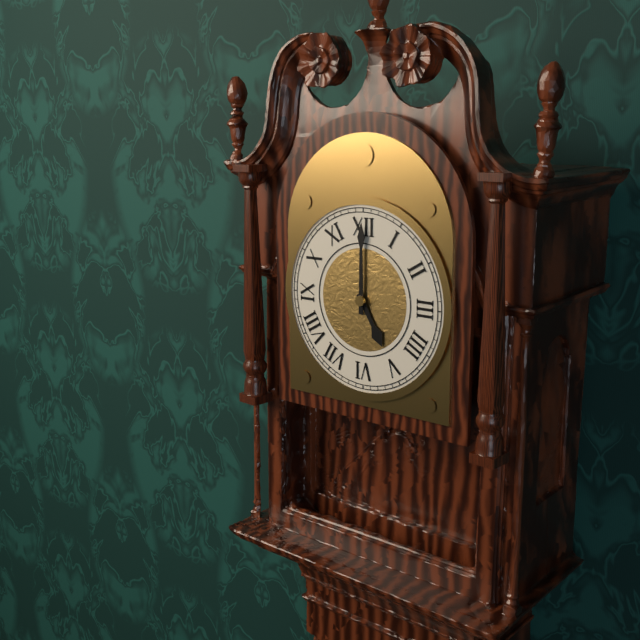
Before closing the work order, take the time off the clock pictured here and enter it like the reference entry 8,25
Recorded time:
5,00
